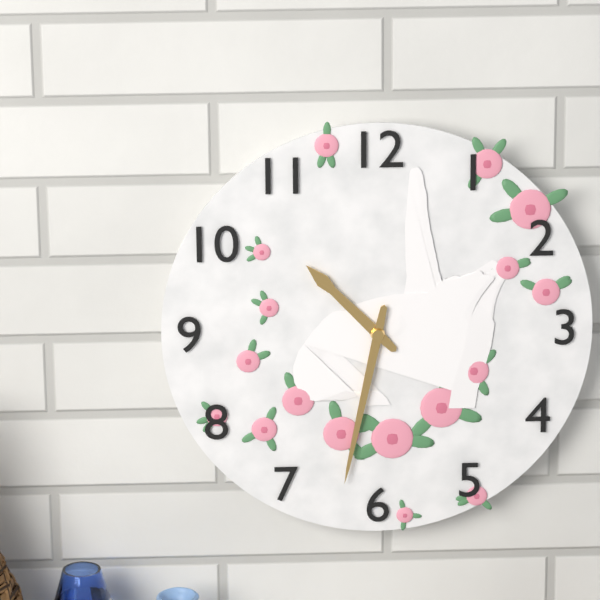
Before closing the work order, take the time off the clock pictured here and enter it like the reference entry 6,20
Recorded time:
10,32
